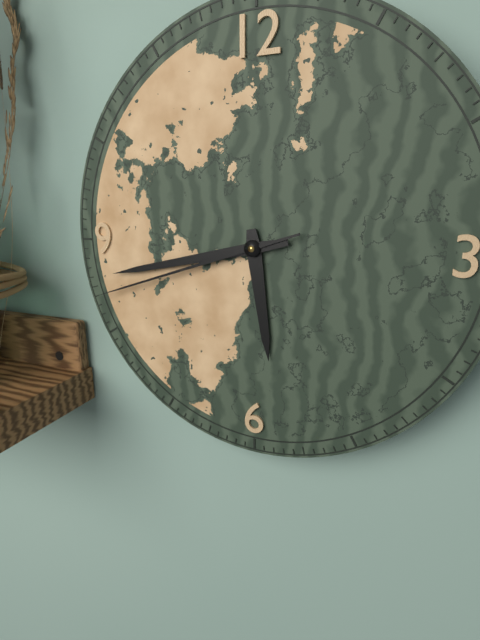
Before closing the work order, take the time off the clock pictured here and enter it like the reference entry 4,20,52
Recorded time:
5,43,42
